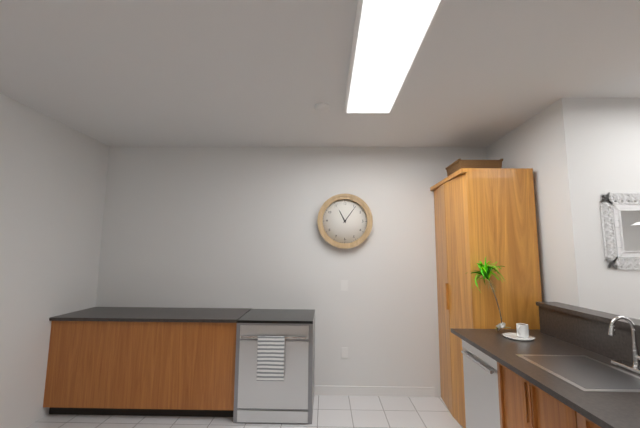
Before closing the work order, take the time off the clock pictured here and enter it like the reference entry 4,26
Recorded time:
11,06
